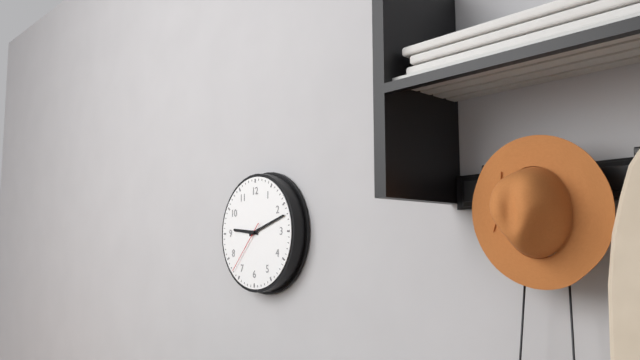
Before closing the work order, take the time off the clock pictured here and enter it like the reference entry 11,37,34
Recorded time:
9,12,37
